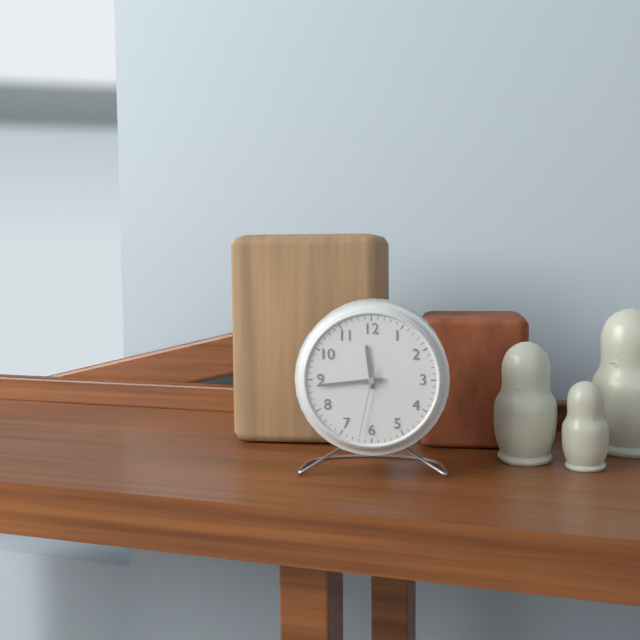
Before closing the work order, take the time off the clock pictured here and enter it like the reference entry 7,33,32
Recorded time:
11,44,32
